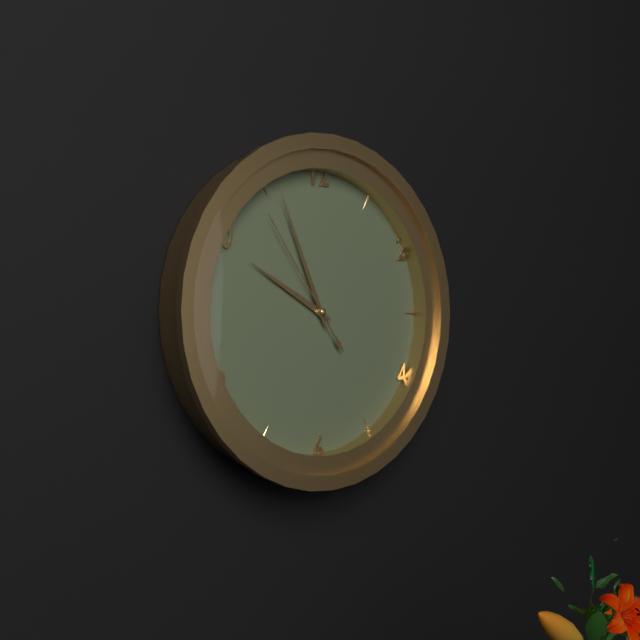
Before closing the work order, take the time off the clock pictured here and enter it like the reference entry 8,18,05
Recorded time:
9,56,54
